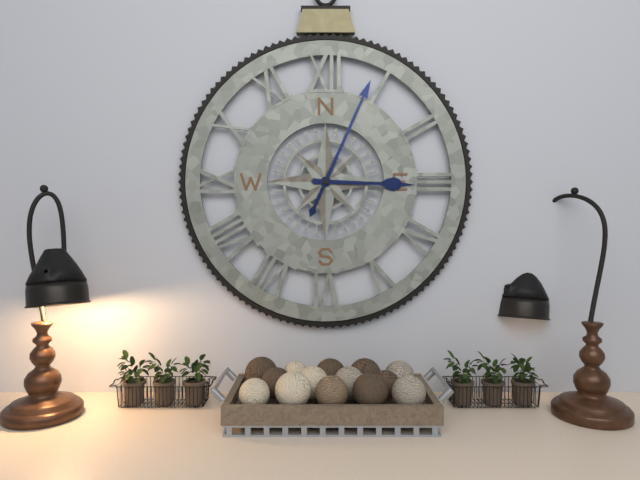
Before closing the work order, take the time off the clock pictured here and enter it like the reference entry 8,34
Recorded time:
3,04
